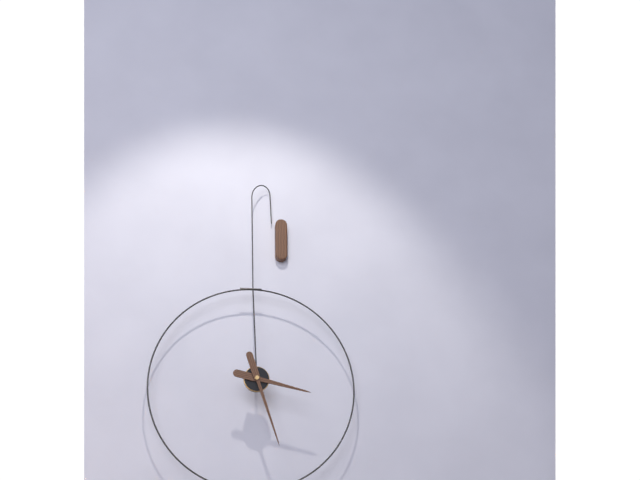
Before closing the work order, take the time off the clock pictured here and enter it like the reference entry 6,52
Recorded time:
3,27
